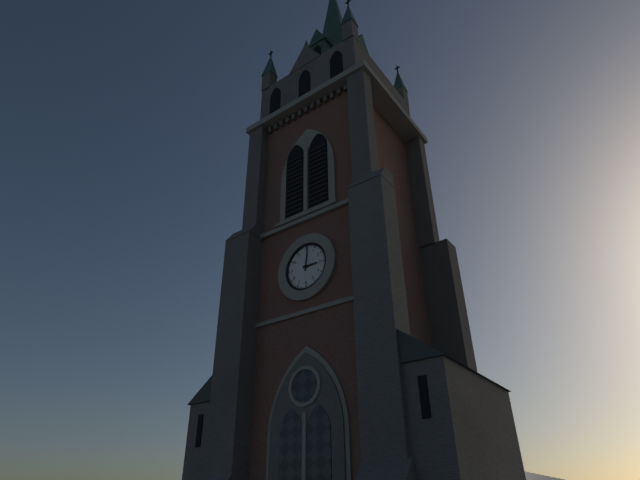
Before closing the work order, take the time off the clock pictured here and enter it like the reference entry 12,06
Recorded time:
3,01
